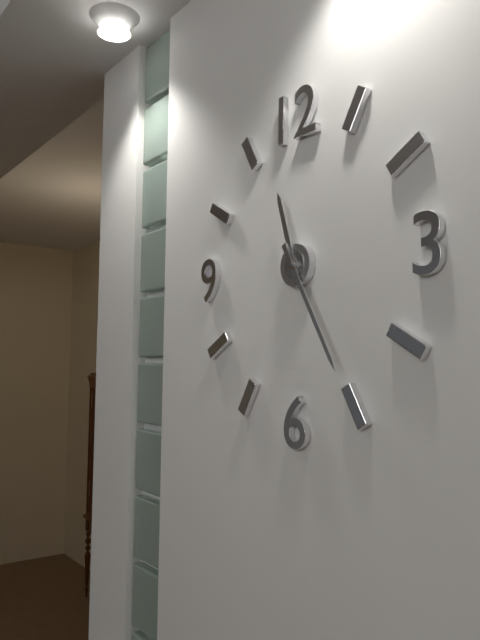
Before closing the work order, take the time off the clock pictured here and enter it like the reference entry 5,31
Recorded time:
11,25
